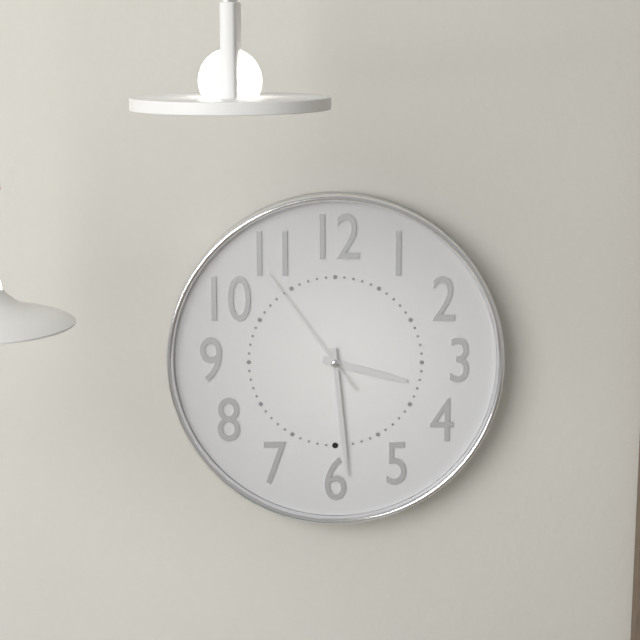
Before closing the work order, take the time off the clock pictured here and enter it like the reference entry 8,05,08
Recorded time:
3,29,54
